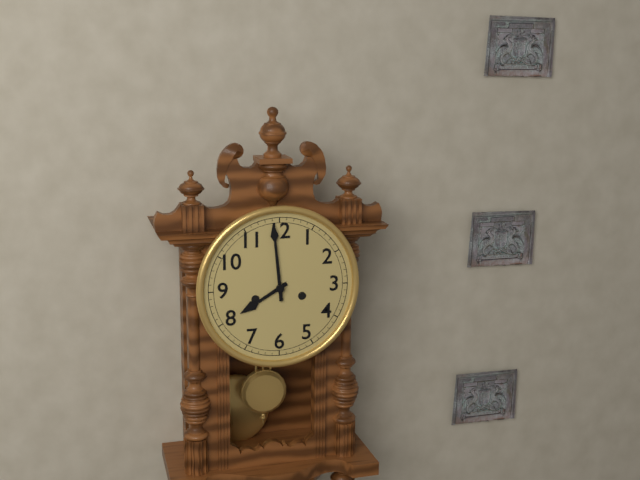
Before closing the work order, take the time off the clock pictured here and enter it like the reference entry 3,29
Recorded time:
7,59
